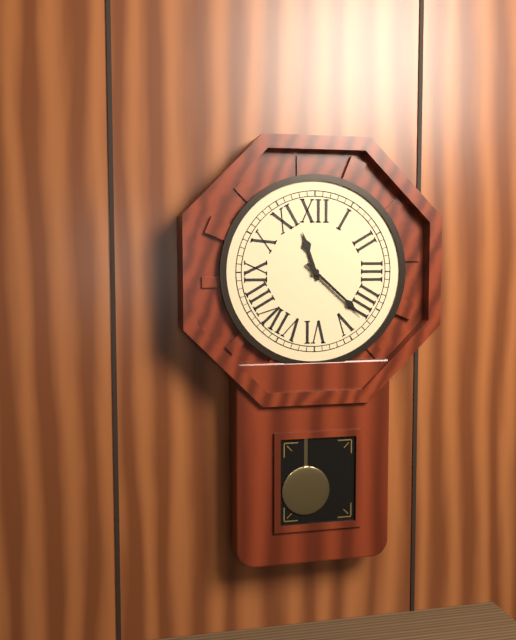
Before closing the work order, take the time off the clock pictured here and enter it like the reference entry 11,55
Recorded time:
11,22
